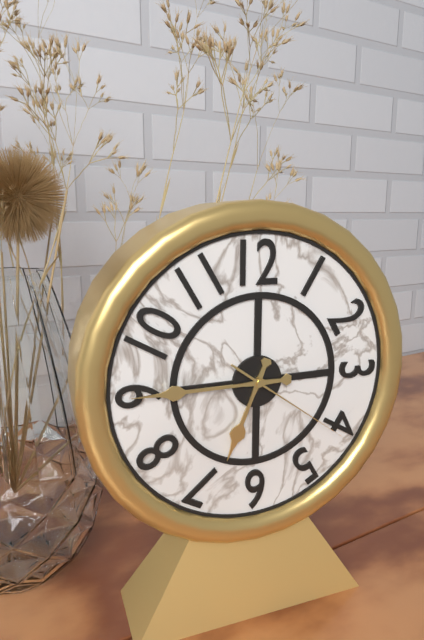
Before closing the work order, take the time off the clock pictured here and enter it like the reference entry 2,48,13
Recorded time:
6,45,21
